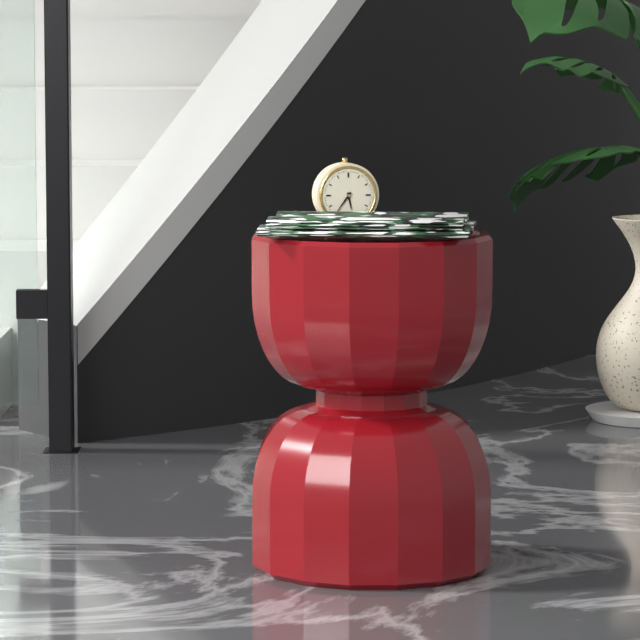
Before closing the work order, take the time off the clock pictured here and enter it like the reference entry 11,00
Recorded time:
5,36
